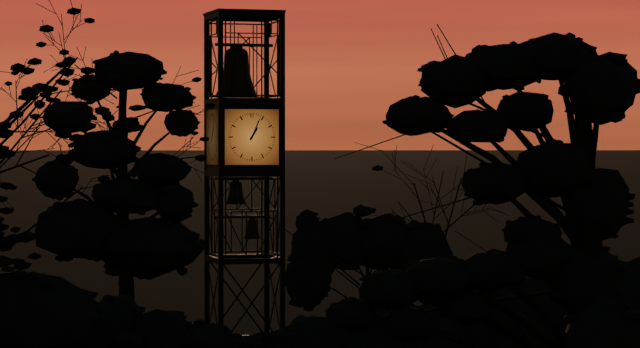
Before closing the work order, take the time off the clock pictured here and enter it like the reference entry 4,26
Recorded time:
1,04
